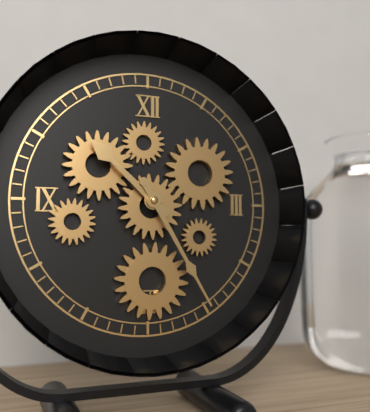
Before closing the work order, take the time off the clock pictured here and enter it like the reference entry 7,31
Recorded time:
10,25
